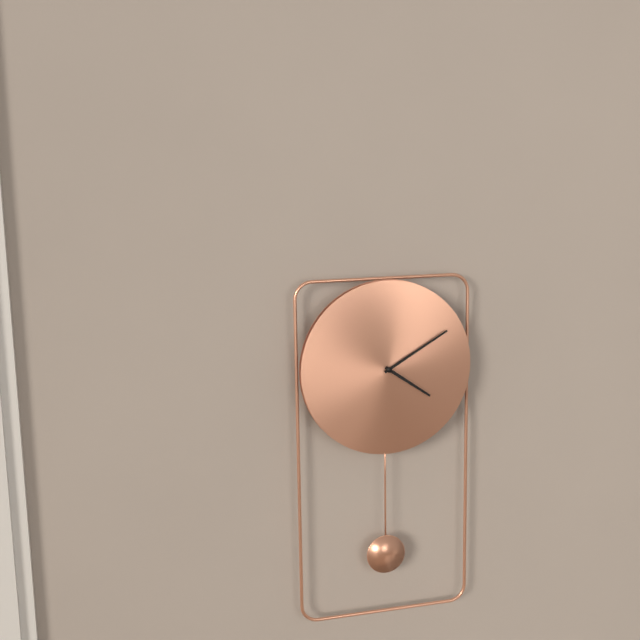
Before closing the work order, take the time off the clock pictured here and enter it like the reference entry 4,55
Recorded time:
4,10
